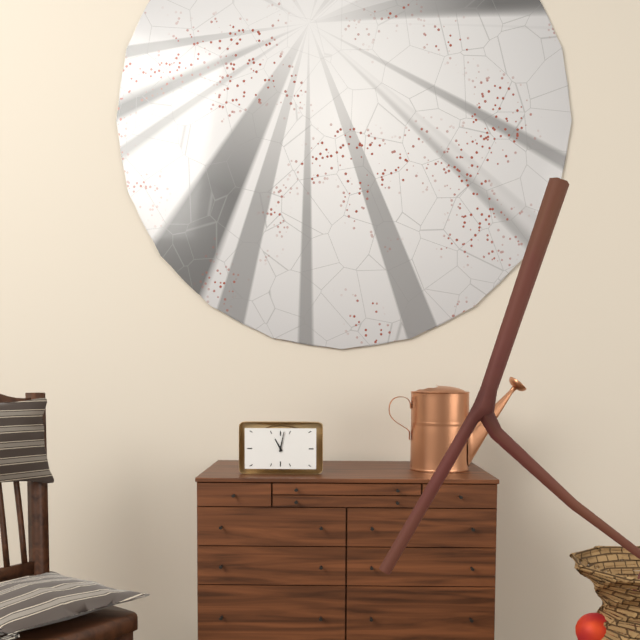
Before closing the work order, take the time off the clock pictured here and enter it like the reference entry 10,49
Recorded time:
11,02
